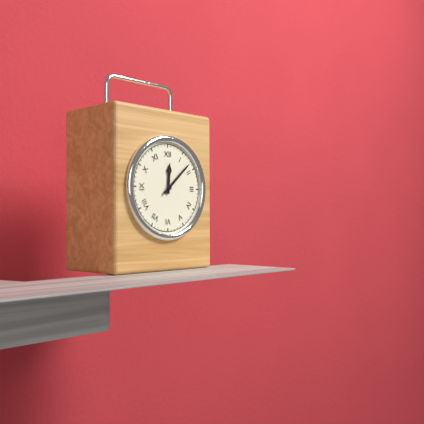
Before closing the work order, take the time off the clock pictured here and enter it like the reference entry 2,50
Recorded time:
12,08
